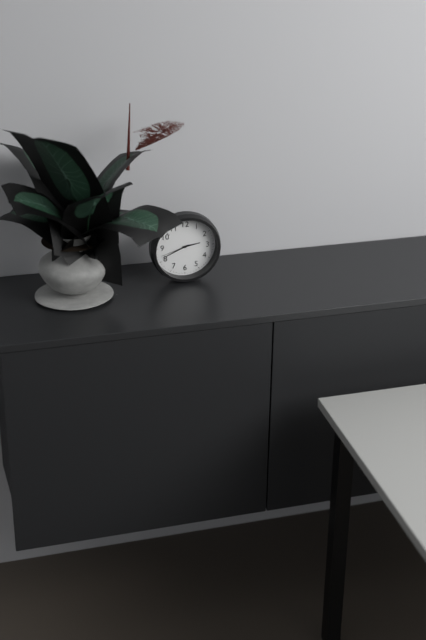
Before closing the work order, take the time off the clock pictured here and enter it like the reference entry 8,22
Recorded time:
2,41
